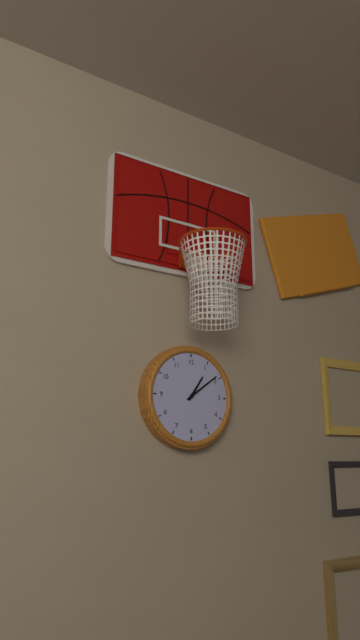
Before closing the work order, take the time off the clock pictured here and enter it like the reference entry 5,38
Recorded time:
1,09
